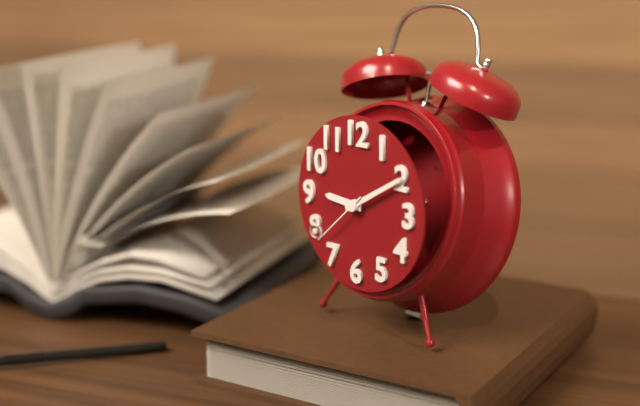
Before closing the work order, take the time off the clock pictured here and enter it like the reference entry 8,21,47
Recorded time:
9,10,38
